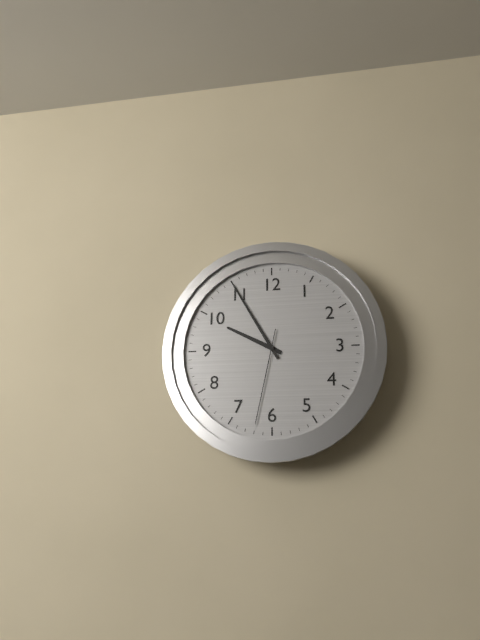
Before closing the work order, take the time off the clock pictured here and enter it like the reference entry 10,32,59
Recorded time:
9,55,32
